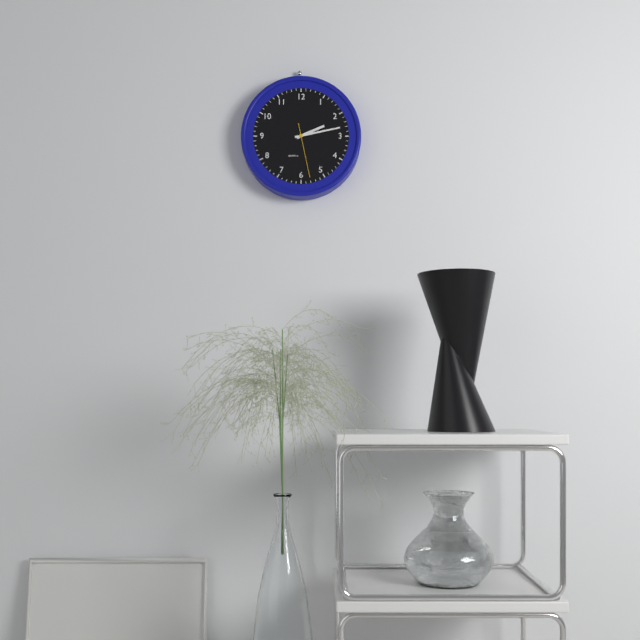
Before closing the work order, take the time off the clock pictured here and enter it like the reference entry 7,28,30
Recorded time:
2,13,28
